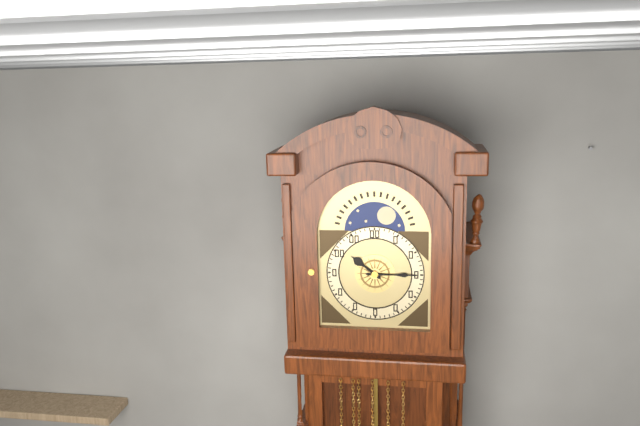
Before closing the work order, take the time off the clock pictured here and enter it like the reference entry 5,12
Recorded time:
10,15
